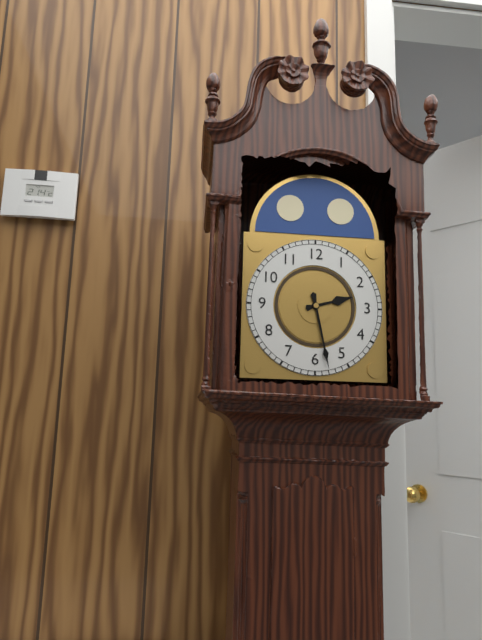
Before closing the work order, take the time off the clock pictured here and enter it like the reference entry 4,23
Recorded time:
2,28
